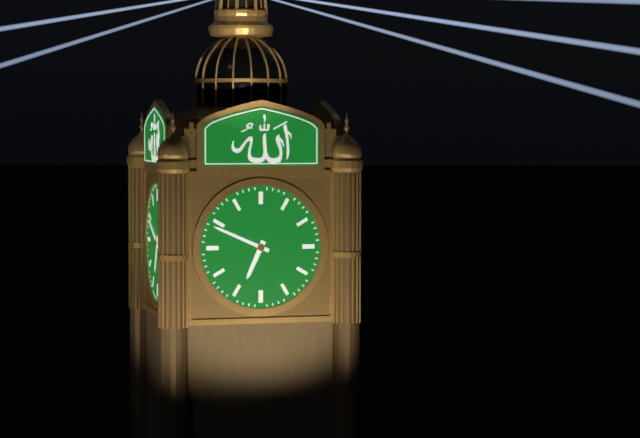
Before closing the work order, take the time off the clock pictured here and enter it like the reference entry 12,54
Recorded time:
6,49
